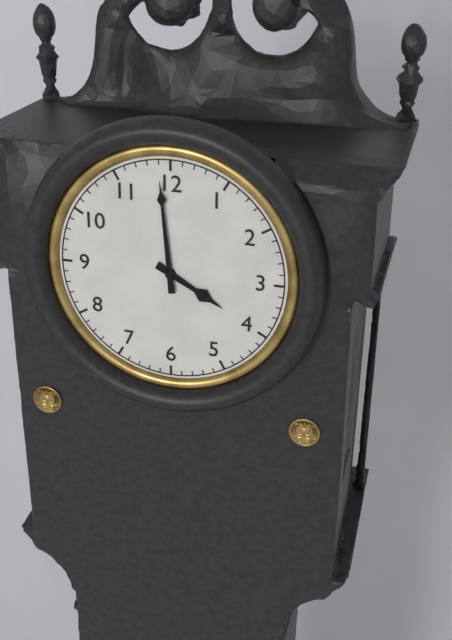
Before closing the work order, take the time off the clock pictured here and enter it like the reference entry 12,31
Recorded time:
3,59
